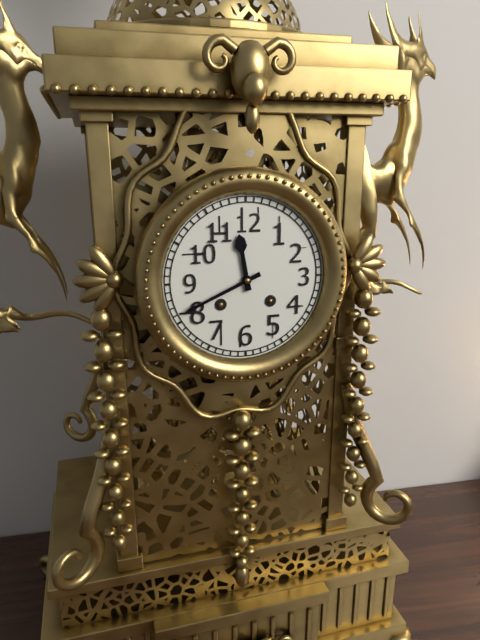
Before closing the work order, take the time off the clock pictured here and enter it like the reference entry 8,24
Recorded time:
11,41
